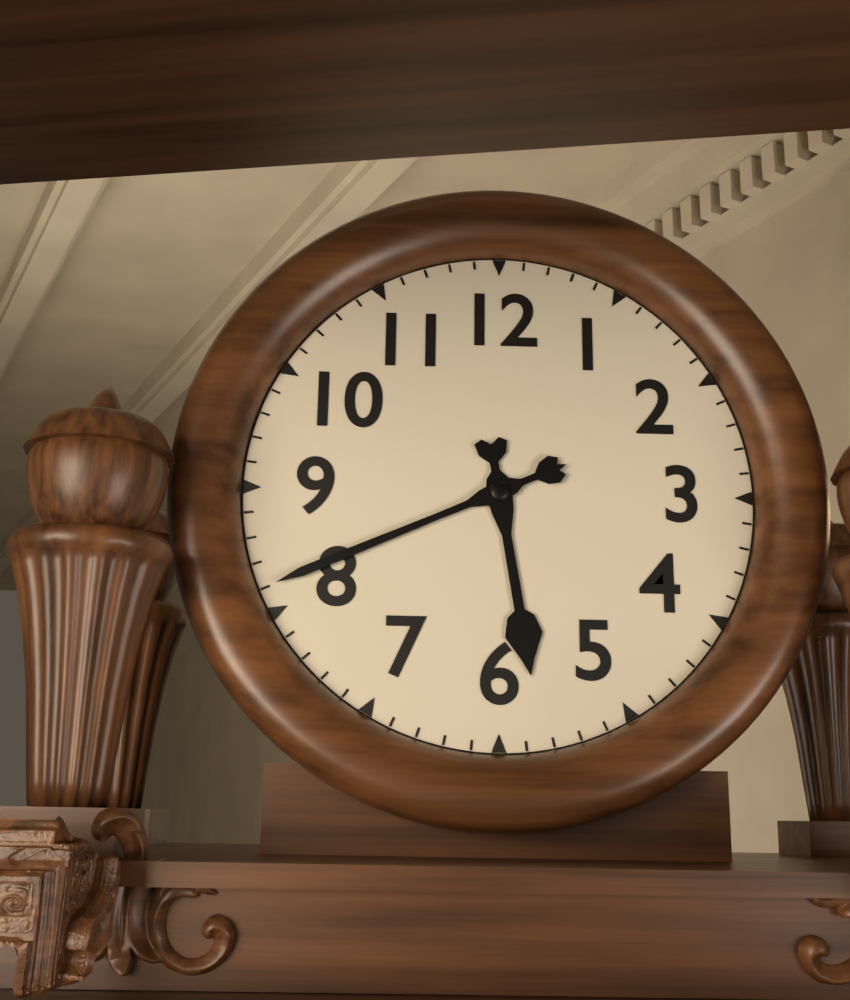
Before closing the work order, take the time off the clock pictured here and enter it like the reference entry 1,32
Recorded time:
5,41
